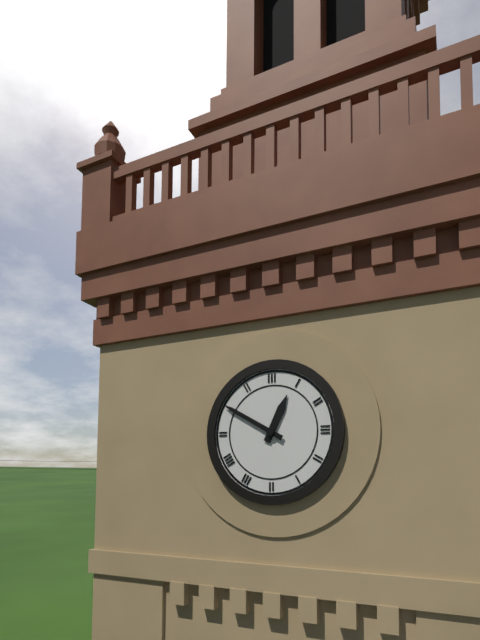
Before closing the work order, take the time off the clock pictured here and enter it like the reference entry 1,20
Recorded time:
12,50
